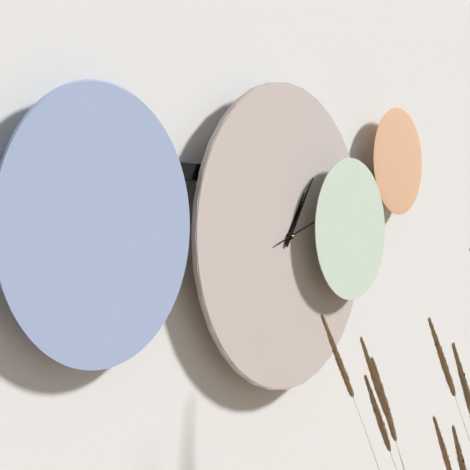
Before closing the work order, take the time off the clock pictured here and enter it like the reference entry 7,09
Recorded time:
1,06
